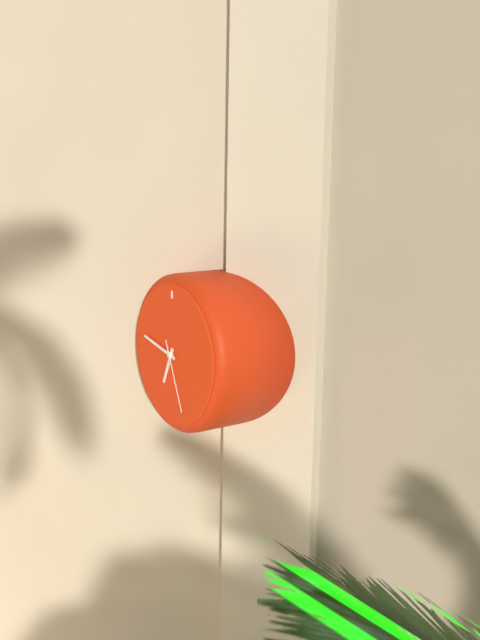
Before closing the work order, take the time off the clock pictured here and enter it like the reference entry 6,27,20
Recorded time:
6,47,26
